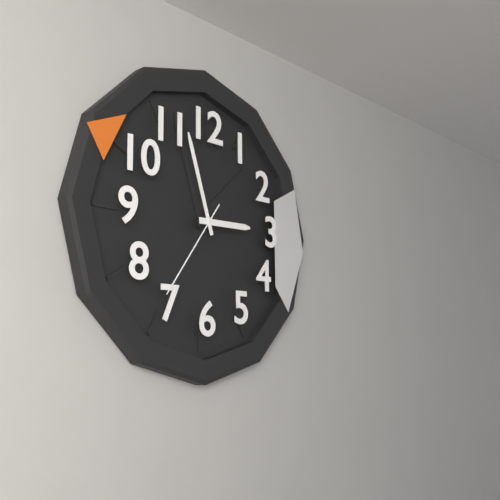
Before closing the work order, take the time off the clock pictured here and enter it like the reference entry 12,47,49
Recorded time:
2,57,36
